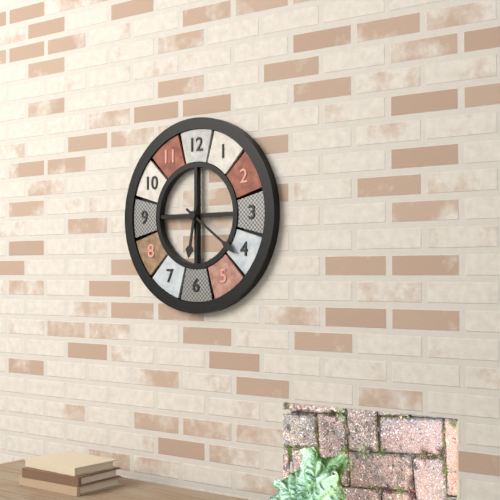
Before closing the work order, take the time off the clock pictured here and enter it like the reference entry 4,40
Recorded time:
6,21
